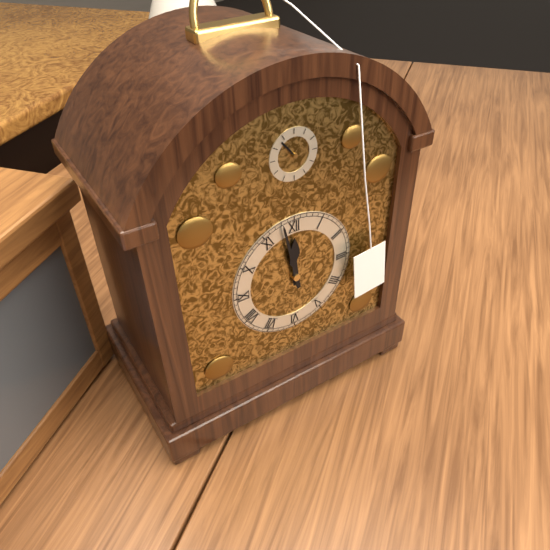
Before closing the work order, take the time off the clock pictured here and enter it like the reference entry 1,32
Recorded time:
11,58
